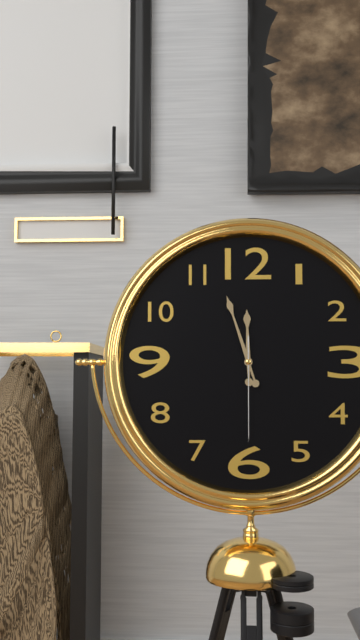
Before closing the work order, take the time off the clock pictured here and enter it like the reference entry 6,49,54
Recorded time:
11,57,30
